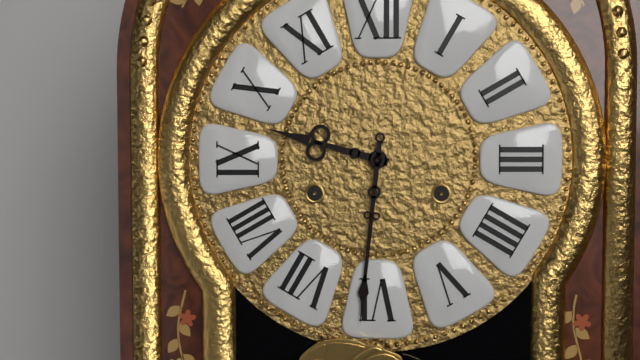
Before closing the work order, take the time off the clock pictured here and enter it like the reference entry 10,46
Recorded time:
9,31
